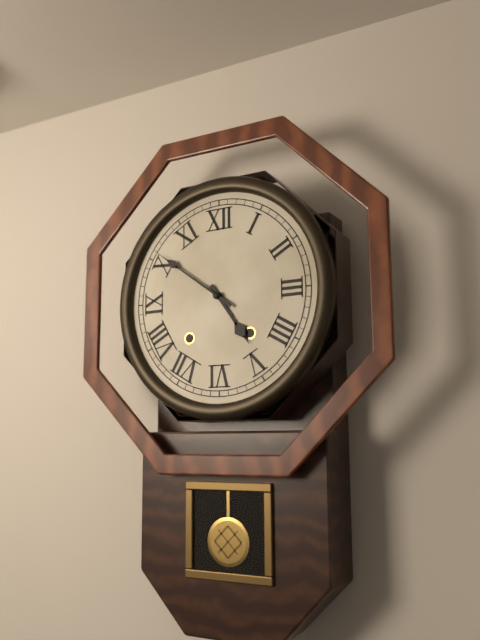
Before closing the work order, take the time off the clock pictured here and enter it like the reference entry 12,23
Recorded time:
4,51
